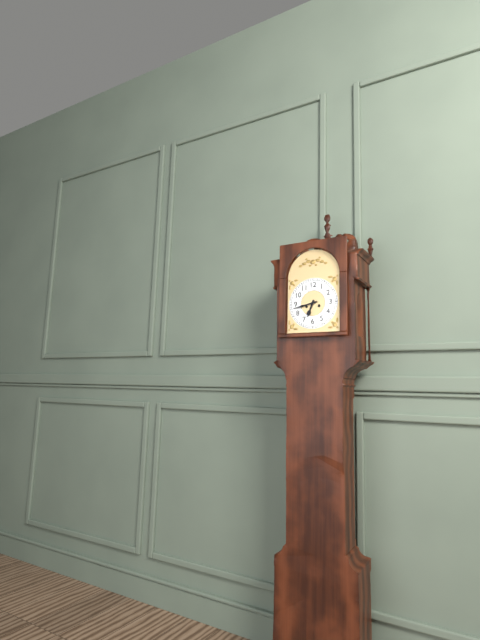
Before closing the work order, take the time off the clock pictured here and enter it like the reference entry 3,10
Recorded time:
6,43
